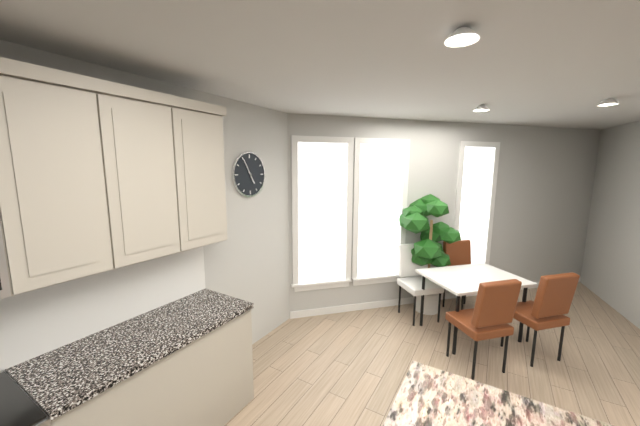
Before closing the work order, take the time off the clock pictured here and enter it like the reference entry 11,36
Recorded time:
4,55
